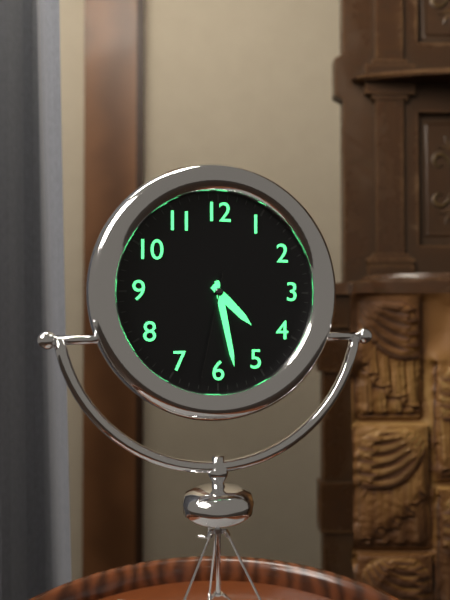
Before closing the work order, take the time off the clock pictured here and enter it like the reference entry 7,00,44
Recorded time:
4,28,32
